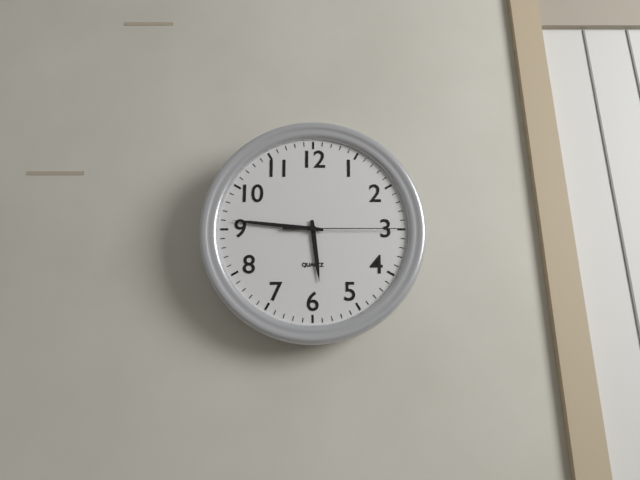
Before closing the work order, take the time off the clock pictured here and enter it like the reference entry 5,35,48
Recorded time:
5,46,15
